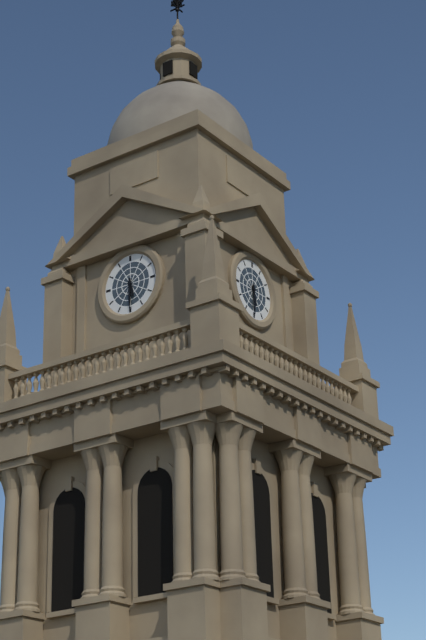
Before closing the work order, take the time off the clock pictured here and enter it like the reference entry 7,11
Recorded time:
5,30
